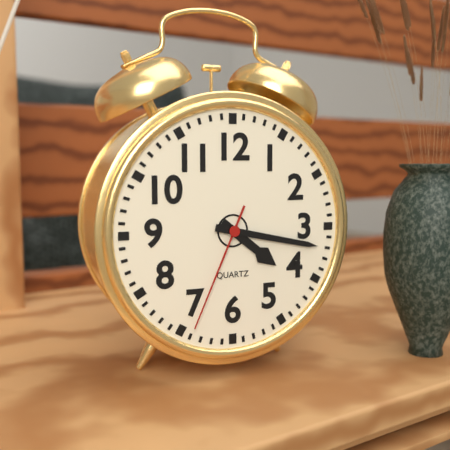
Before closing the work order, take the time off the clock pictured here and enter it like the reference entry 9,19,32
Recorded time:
4,17,34
